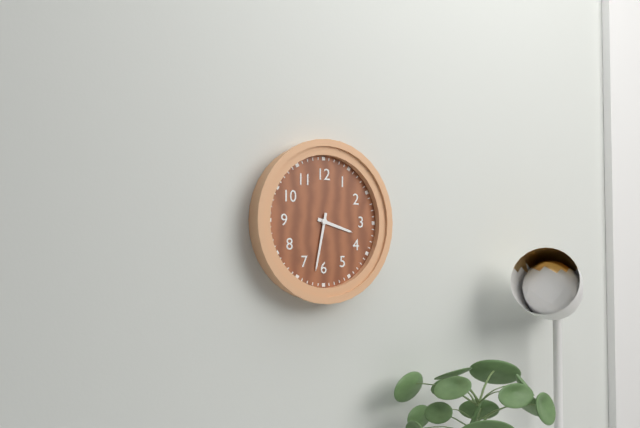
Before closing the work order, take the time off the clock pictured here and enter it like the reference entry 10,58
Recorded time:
3,32
